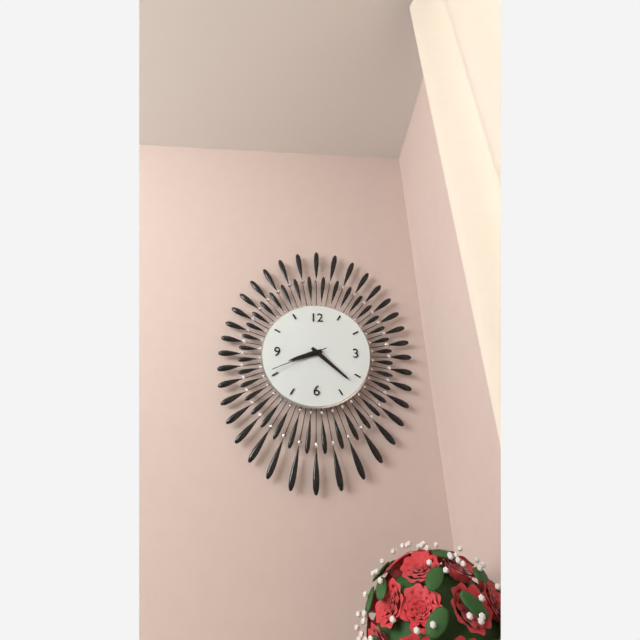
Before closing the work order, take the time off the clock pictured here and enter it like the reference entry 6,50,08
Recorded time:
8,22,41
